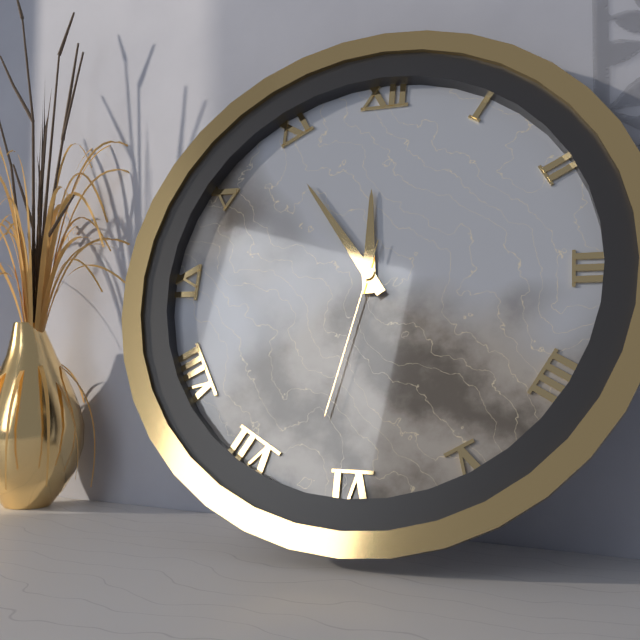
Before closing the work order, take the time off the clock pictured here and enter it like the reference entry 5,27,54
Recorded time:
11,54,32
